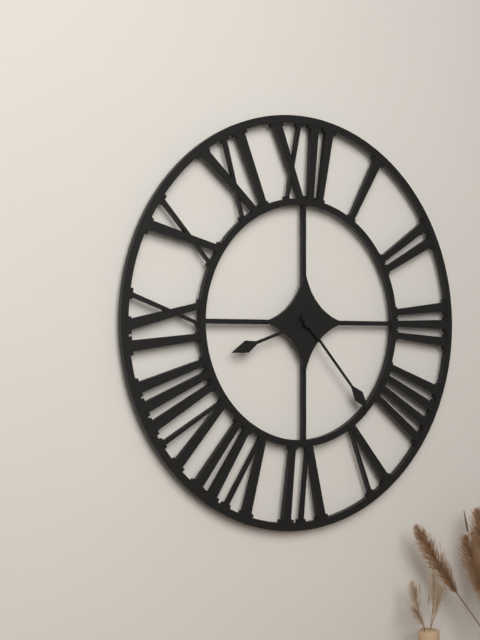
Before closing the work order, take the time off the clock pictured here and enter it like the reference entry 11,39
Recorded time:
8,23
